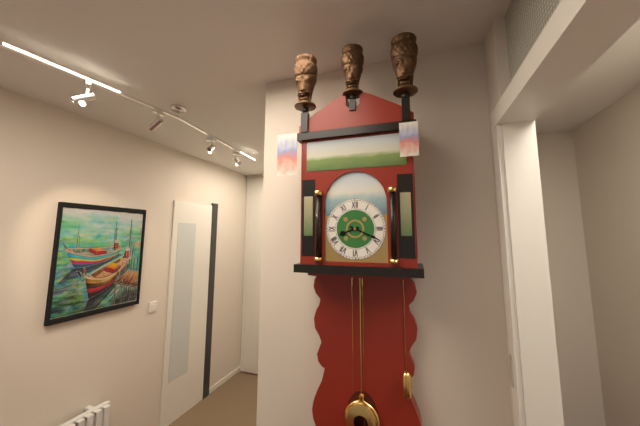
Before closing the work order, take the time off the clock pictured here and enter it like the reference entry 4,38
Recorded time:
8,19
